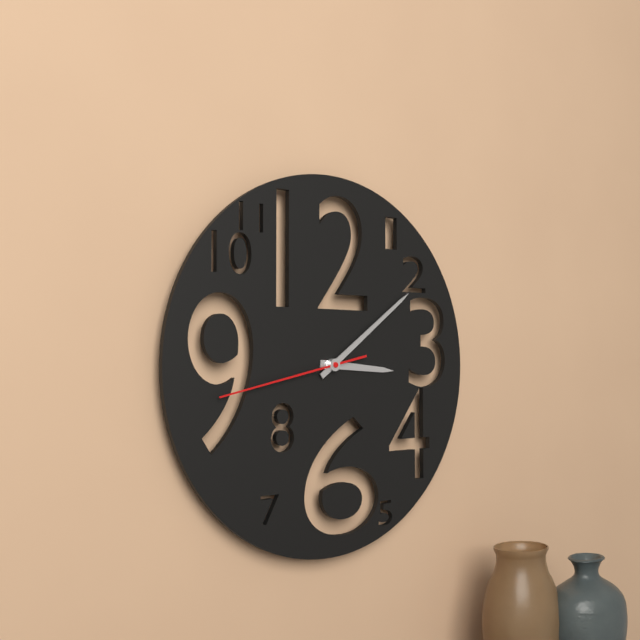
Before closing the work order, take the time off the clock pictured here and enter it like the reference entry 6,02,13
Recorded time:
3,09,43
